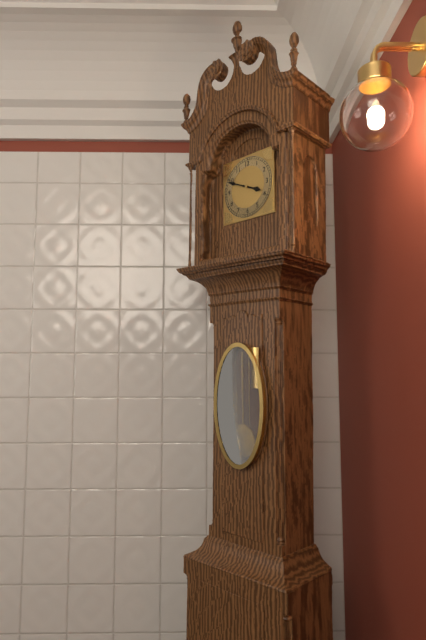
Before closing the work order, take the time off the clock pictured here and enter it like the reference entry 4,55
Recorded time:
3,49
